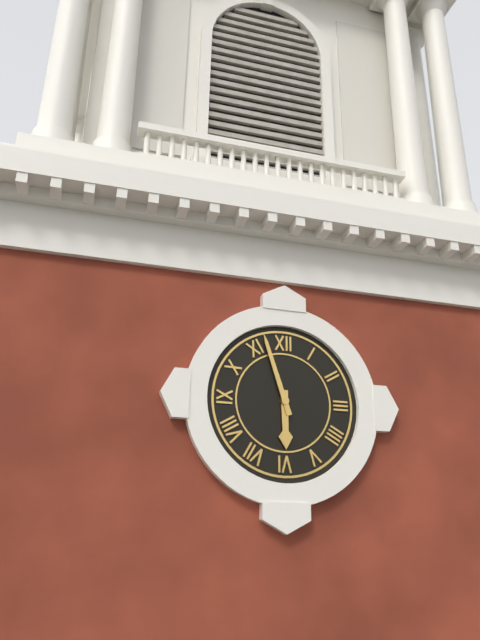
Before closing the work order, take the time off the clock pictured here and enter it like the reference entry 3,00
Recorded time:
5,57
